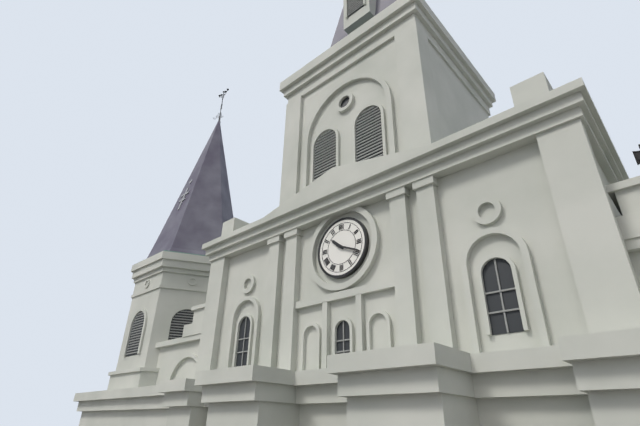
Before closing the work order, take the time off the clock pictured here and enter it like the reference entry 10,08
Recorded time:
10,19
